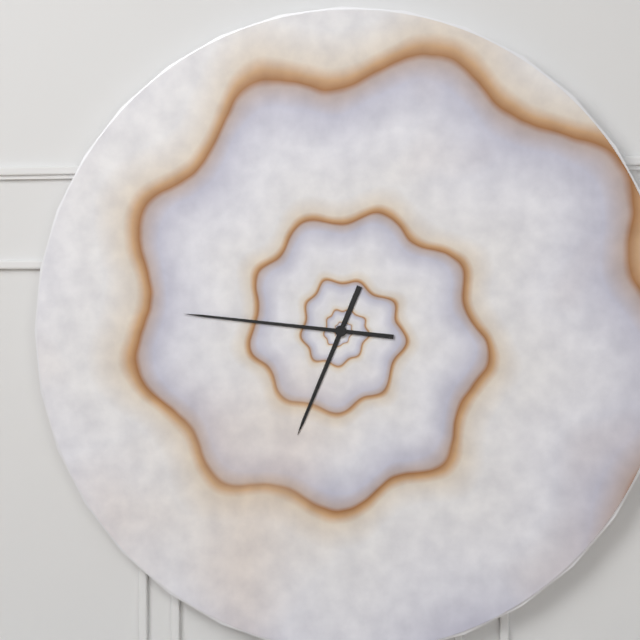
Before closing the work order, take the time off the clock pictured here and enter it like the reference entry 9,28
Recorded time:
6,46
